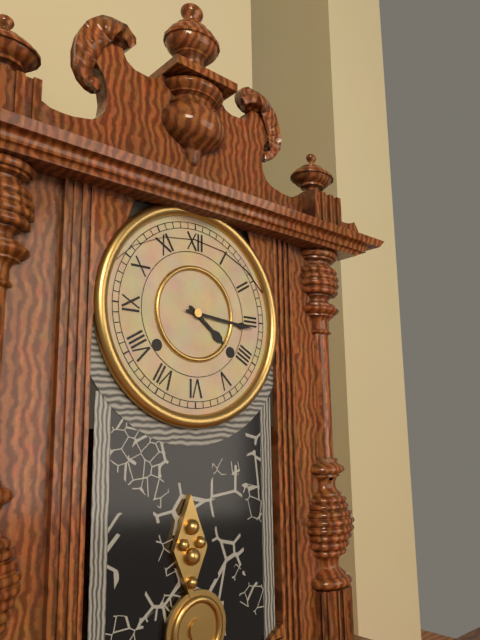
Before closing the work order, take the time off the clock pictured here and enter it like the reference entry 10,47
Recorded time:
4,16
